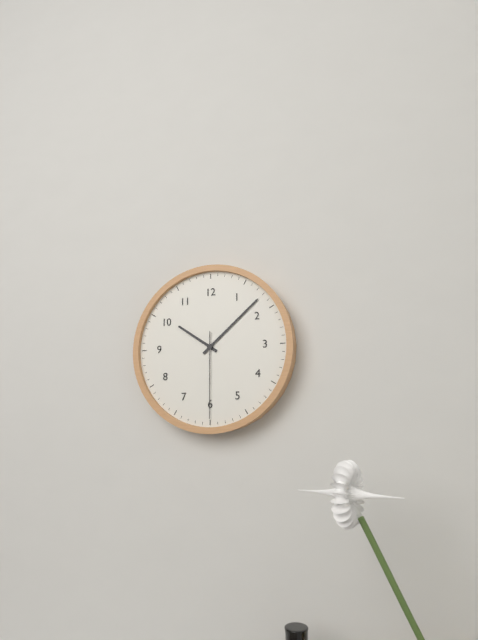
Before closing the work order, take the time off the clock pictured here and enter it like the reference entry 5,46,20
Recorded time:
10,08,30
